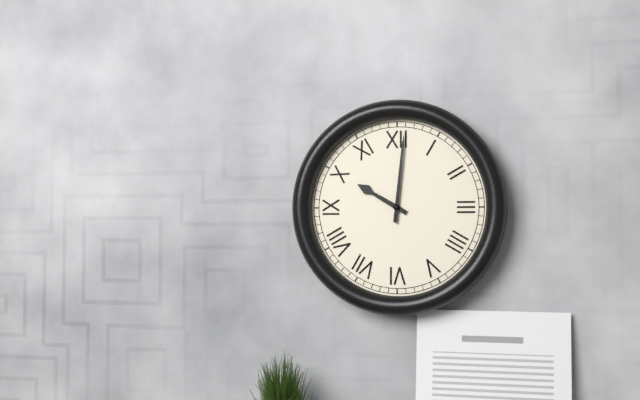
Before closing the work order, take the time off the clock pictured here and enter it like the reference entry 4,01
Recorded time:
10,01
